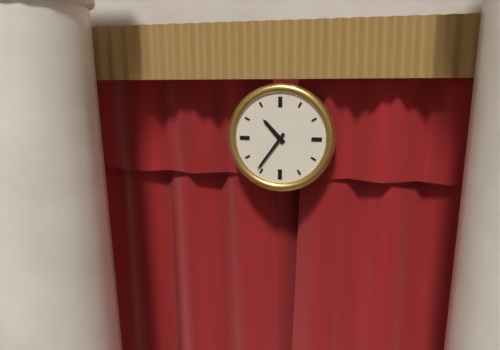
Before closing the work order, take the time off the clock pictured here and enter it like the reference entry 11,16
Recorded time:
10,36
